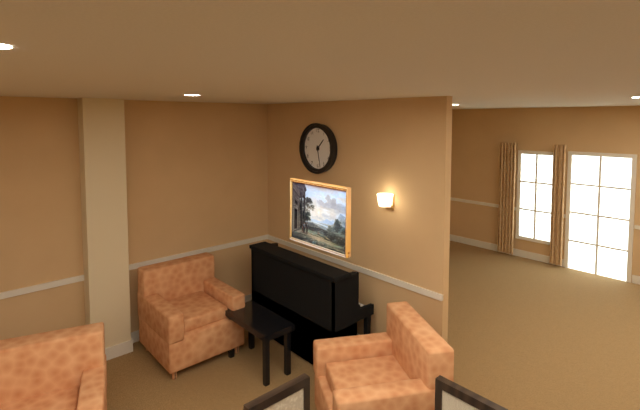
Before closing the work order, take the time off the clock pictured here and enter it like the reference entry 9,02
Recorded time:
1,28
